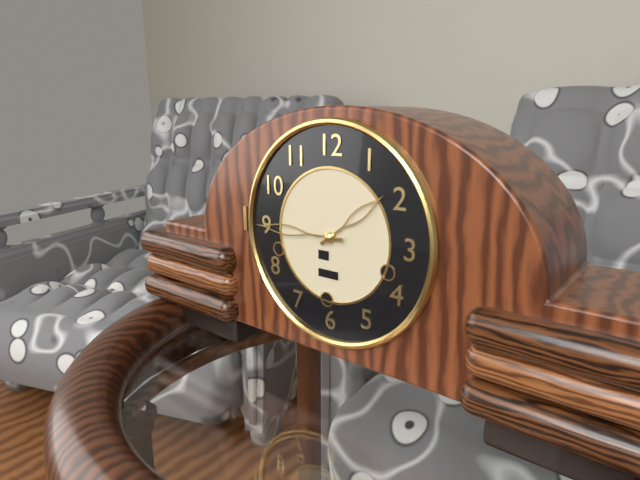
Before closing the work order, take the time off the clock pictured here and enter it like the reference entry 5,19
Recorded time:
1,45
